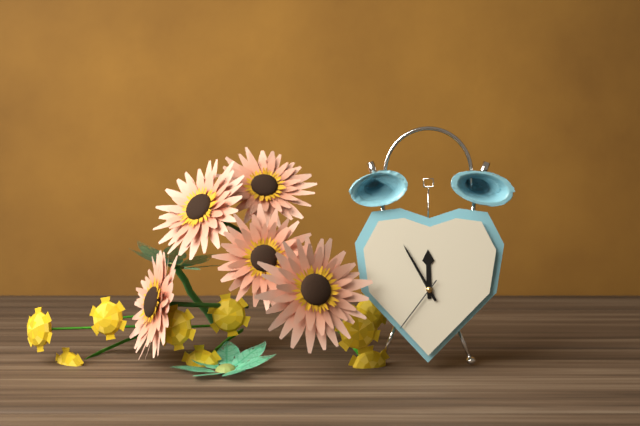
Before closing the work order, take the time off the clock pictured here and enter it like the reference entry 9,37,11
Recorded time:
11,55,36
